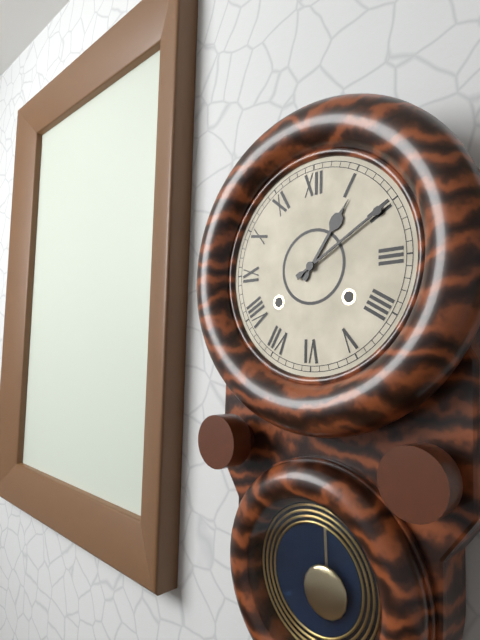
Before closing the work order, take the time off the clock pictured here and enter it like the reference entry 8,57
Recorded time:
1,10
